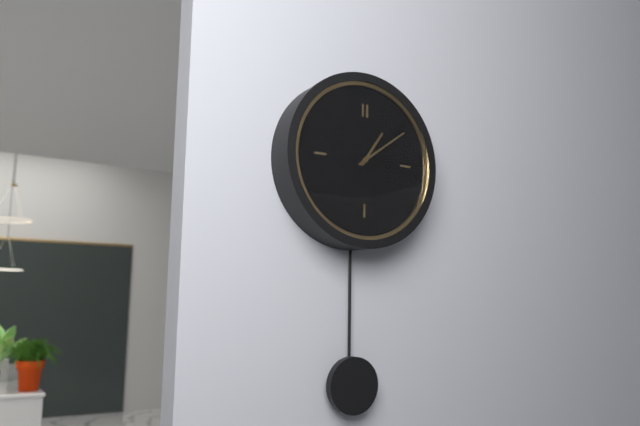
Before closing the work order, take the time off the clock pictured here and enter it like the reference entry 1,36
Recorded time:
1,09
